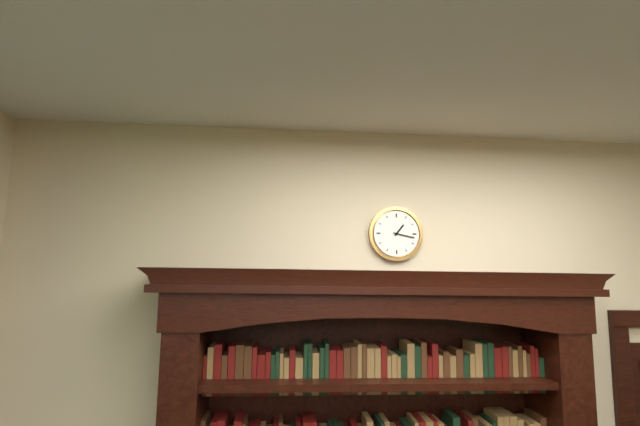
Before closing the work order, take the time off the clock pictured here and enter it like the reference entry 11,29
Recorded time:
1,17
